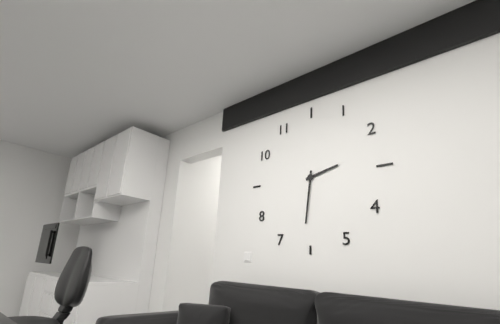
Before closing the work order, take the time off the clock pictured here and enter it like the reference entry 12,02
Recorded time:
2,31
